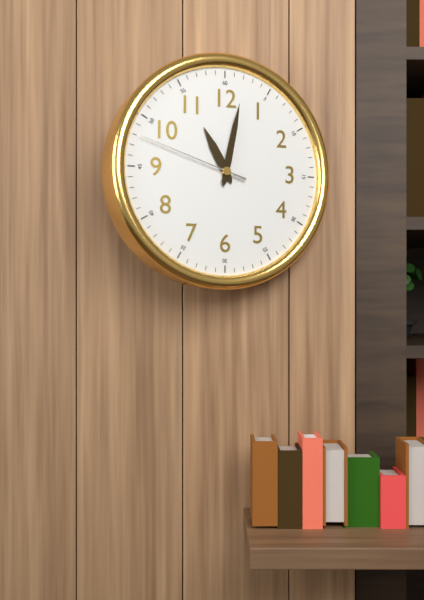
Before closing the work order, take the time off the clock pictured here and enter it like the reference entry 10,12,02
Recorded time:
11,02,48
